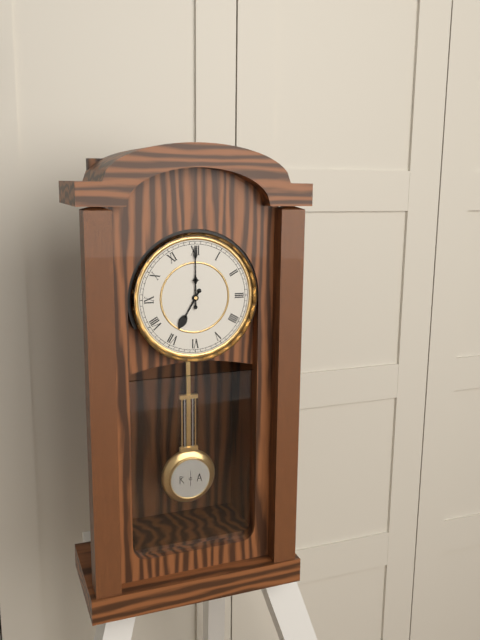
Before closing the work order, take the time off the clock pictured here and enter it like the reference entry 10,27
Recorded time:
7,00
